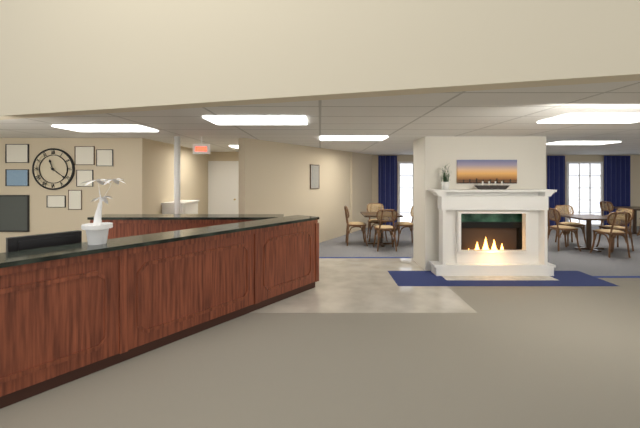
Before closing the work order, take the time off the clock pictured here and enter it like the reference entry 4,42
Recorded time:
11,21
